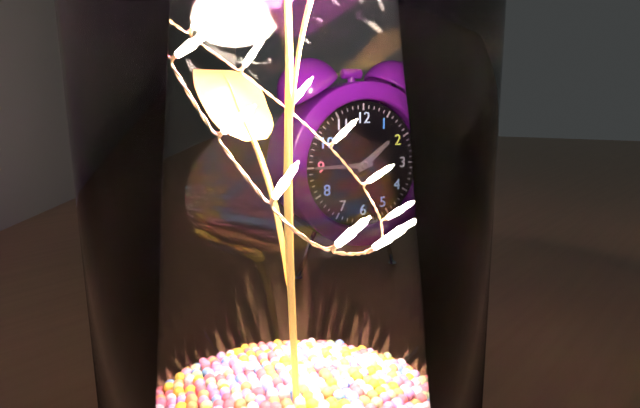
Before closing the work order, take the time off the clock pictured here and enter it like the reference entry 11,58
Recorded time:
1,45
